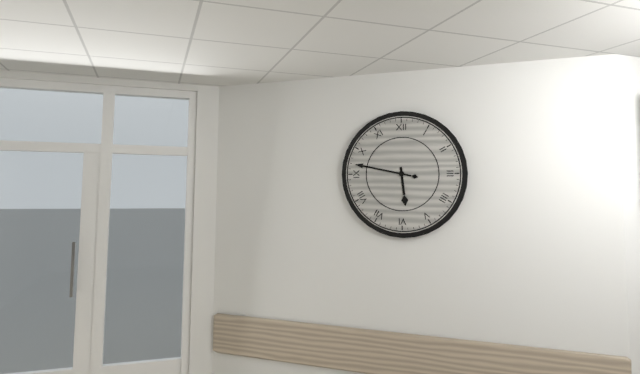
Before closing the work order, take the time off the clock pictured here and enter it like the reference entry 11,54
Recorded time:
5,47
